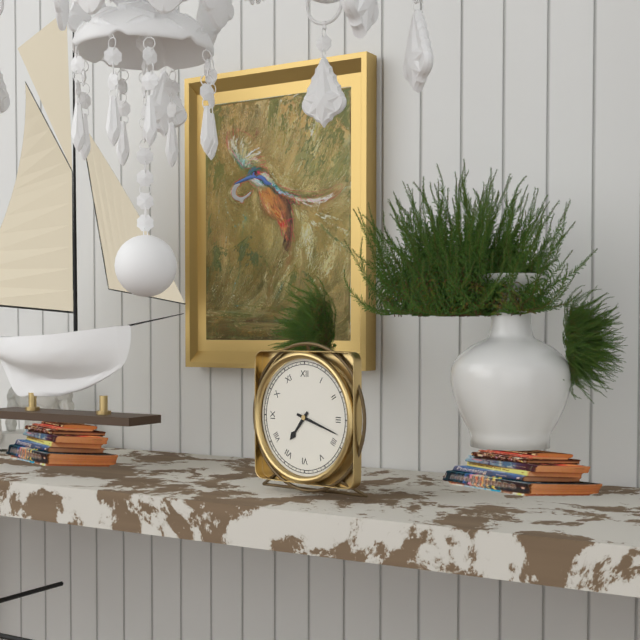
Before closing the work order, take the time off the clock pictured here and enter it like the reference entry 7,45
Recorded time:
7,18
